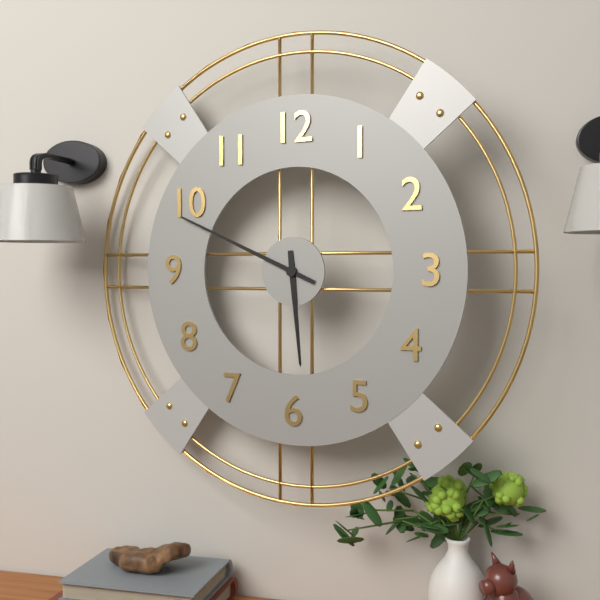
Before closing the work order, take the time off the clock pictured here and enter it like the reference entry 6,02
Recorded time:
5,49
